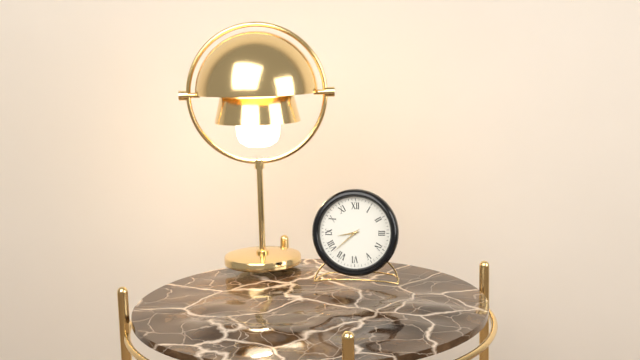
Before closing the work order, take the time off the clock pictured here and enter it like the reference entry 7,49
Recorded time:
8,38
